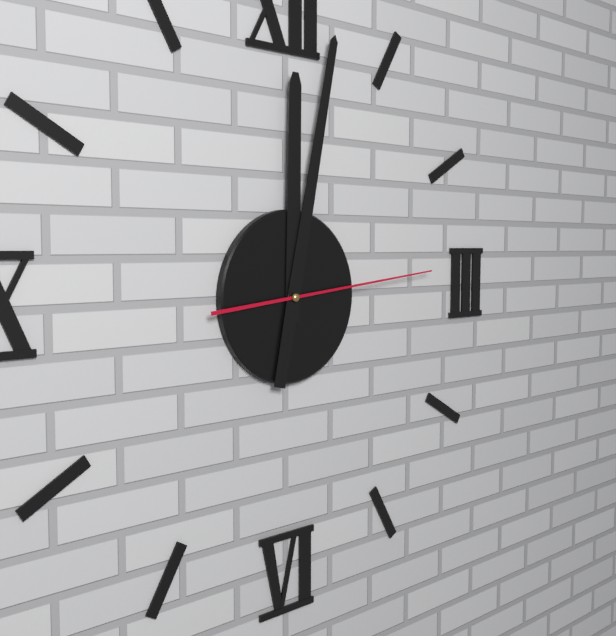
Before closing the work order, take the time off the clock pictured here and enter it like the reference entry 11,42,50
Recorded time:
12,02,14
